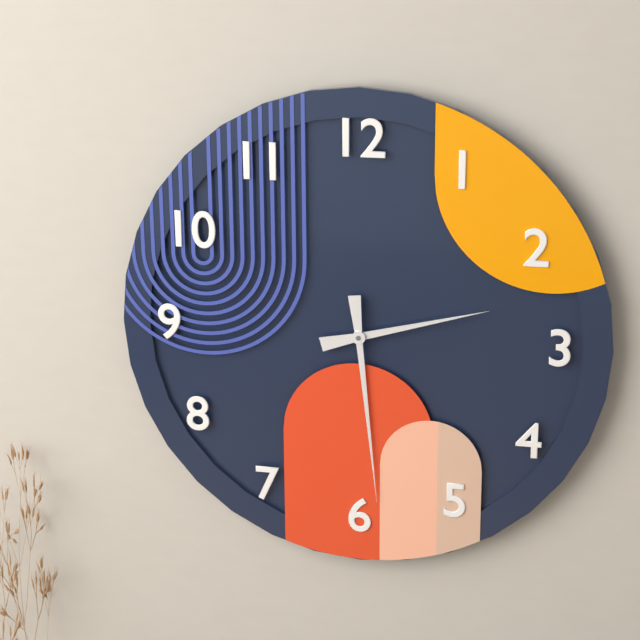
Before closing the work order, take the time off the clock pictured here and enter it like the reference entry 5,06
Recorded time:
2,29
